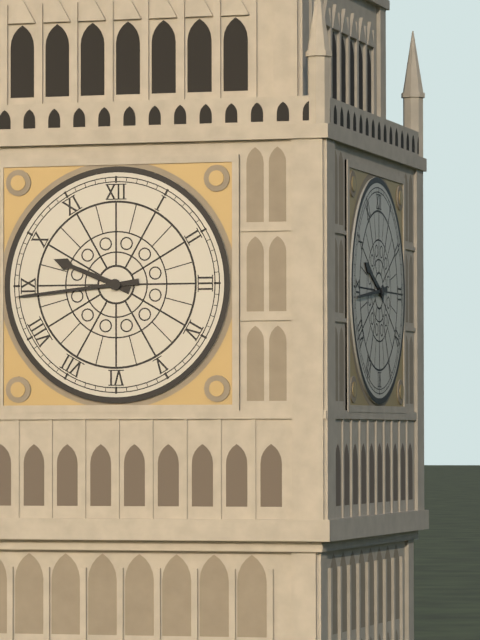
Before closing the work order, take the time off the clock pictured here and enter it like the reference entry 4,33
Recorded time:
9,44
